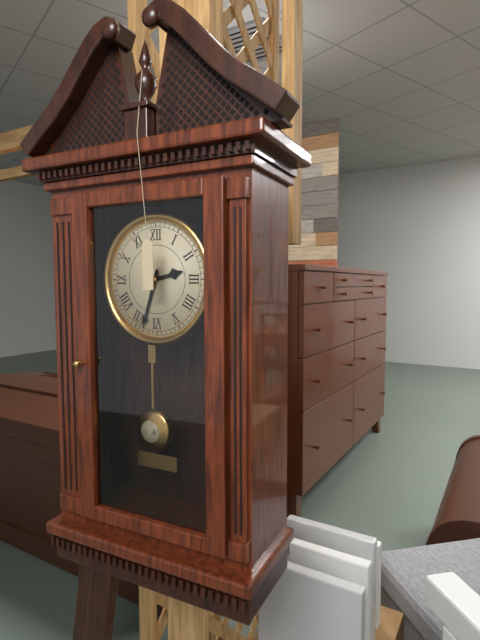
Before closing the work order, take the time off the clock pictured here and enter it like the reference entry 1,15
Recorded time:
2,33
